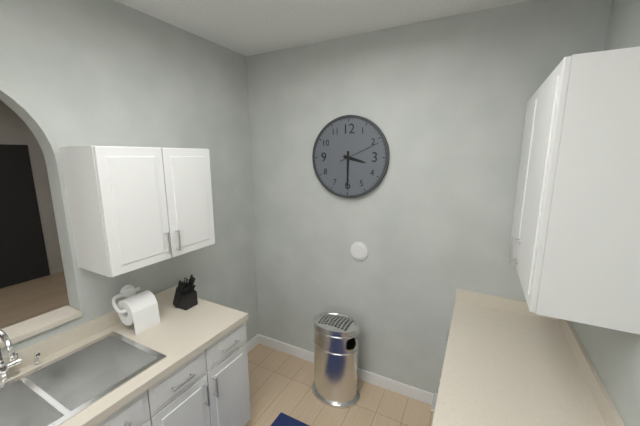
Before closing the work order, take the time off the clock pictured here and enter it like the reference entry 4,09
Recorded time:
3,30
